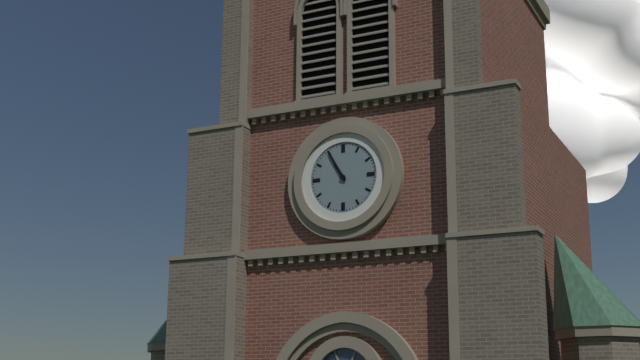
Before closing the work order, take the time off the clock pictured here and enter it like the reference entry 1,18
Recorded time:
10,55
